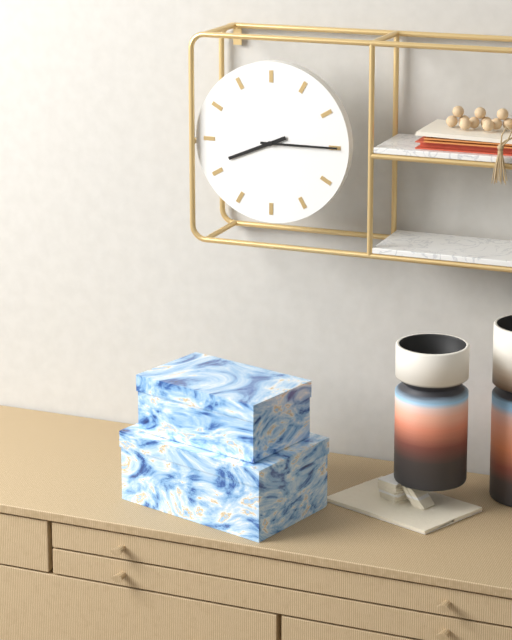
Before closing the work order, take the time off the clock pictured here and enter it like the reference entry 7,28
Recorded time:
8,15
